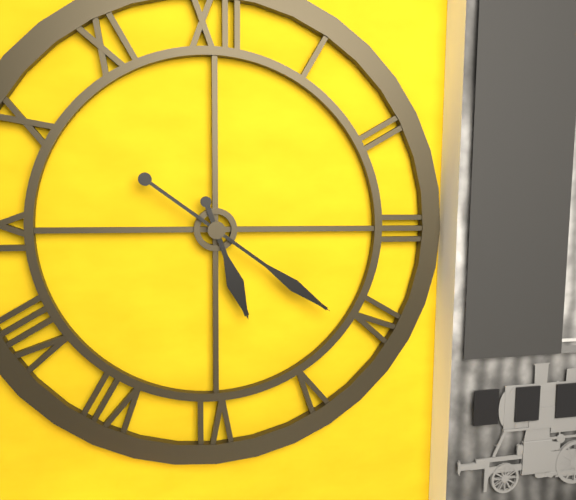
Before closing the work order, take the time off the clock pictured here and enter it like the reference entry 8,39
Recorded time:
5,21
